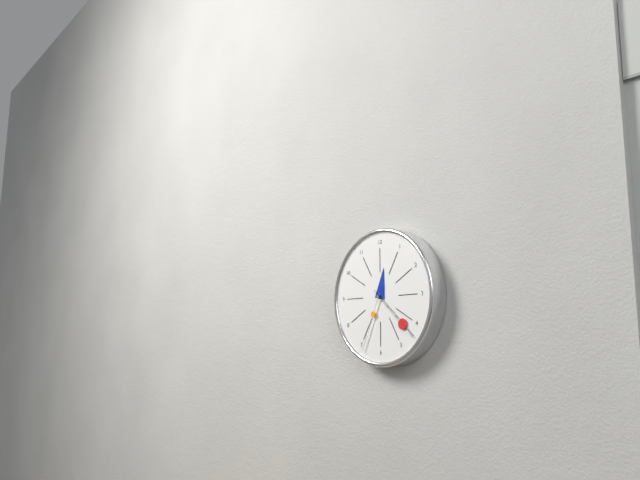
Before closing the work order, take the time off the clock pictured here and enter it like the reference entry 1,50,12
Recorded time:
12,22,34
